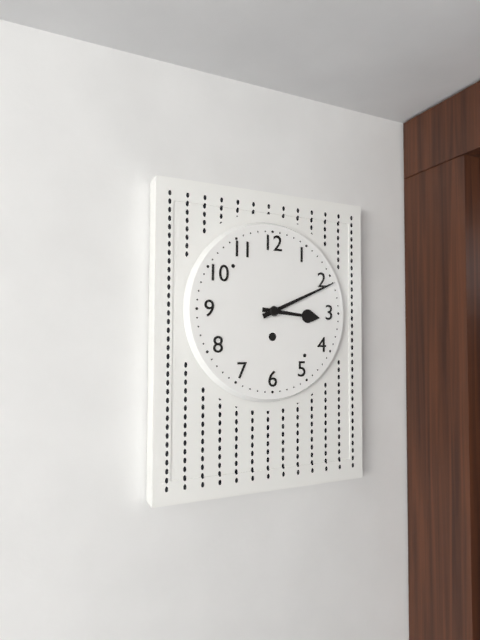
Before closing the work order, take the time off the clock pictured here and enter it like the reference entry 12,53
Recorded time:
3,11
